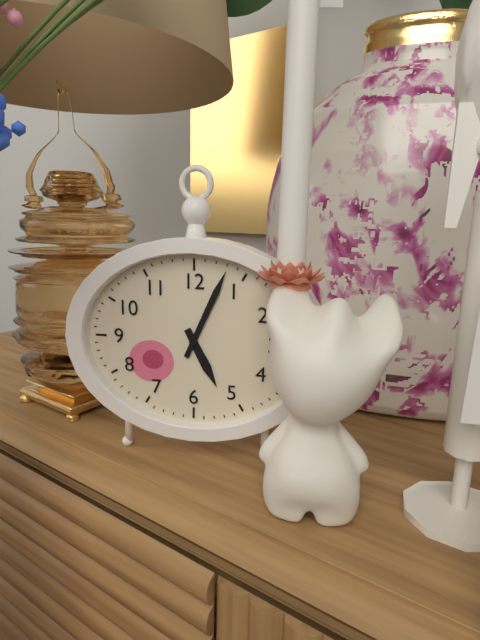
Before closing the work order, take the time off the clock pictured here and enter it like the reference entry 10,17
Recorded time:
5,04
